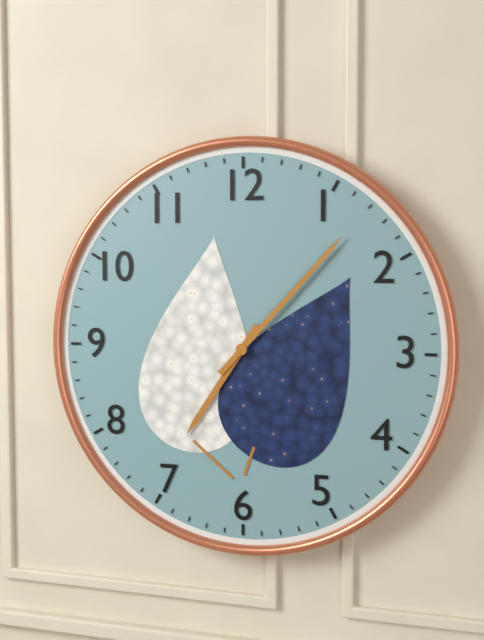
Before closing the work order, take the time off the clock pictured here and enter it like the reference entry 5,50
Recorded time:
7,07
